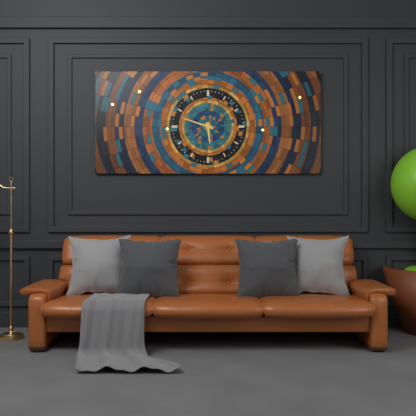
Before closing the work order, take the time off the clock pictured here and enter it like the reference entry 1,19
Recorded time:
5,48
